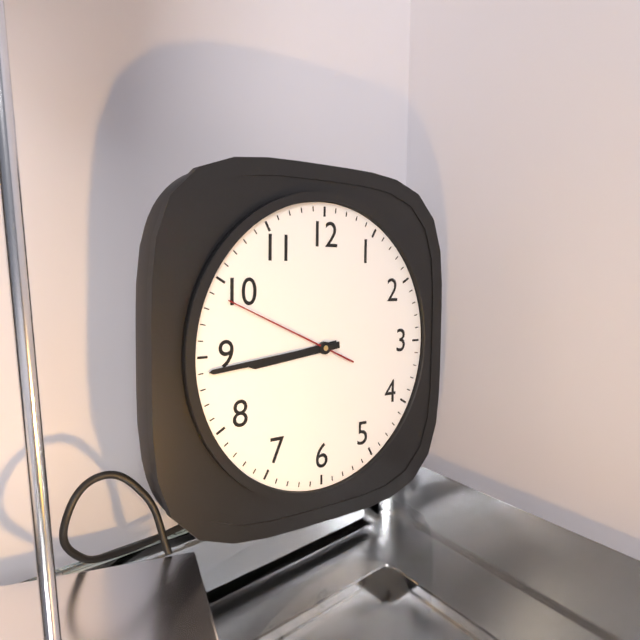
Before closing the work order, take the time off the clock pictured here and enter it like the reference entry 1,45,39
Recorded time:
8,44,49
